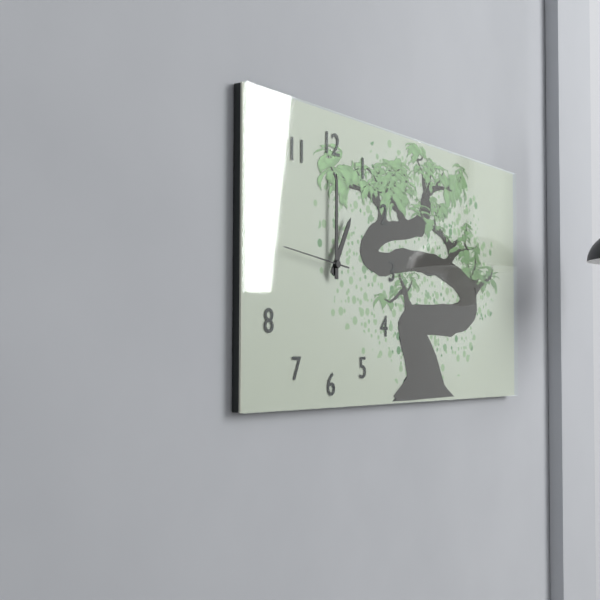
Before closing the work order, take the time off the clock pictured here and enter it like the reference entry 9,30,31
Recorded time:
1,00,46
